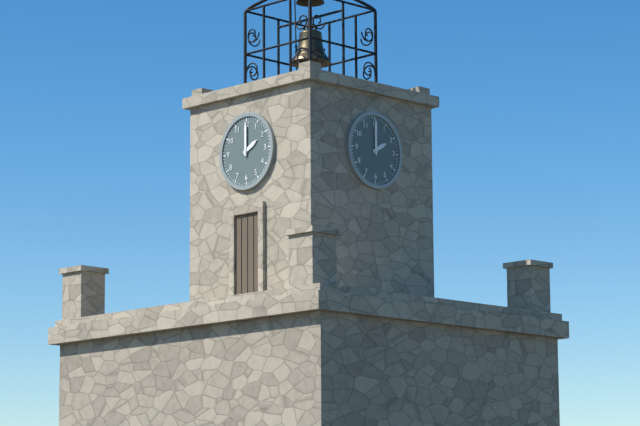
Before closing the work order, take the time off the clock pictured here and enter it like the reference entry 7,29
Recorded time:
2,00
